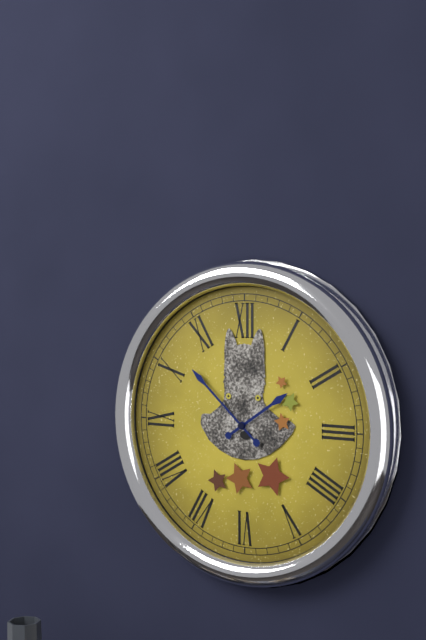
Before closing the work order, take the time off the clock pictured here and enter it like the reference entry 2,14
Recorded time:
1,52
